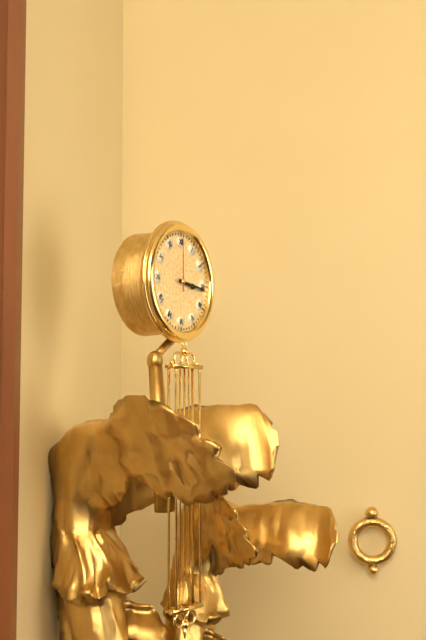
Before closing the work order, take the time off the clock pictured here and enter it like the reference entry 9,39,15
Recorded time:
3,16,00
